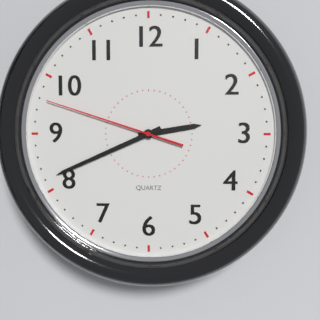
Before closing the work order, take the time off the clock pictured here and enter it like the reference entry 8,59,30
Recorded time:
2,41,48
